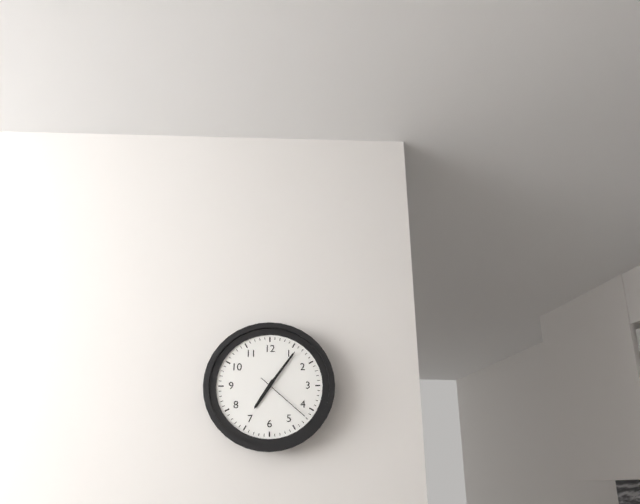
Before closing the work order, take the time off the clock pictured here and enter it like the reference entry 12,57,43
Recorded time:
7,06,22
